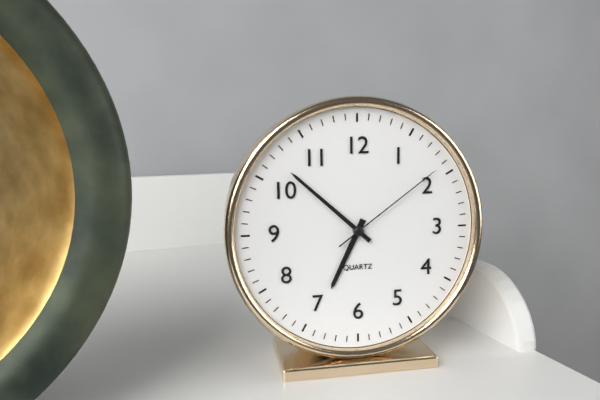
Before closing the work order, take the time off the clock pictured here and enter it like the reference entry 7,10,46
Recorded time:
6,52,09
